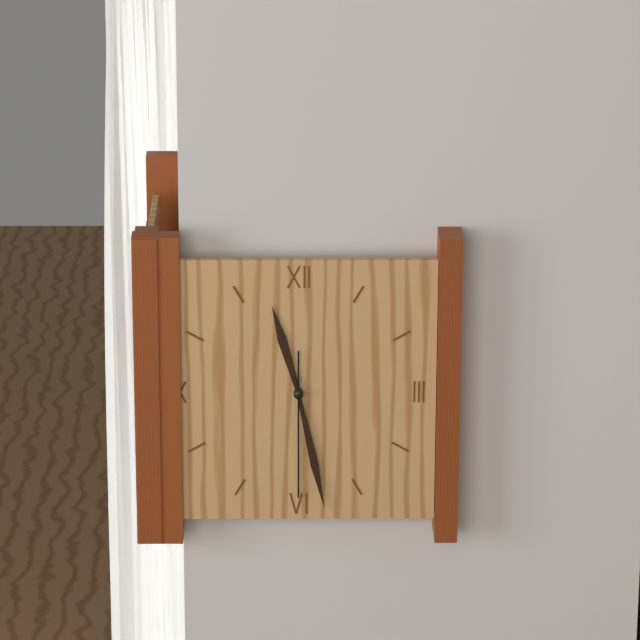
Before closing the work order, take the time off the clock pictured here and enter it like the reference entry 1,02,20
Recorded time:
11,28,30
